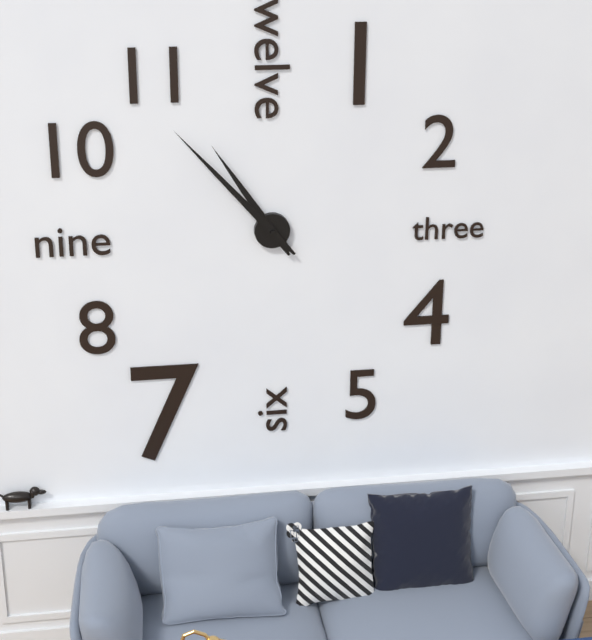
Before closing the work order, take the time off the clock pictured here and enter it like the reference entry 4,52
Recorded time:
10,53
